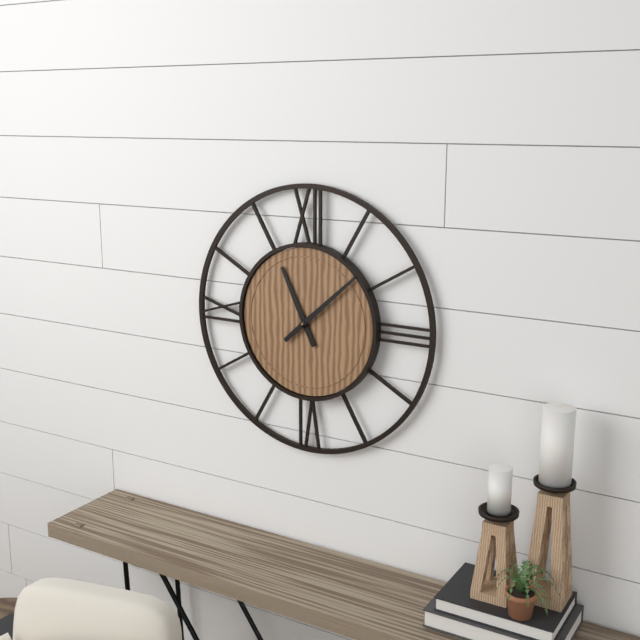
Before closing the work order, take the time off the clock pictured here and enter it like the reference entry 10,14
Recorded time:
11,08
